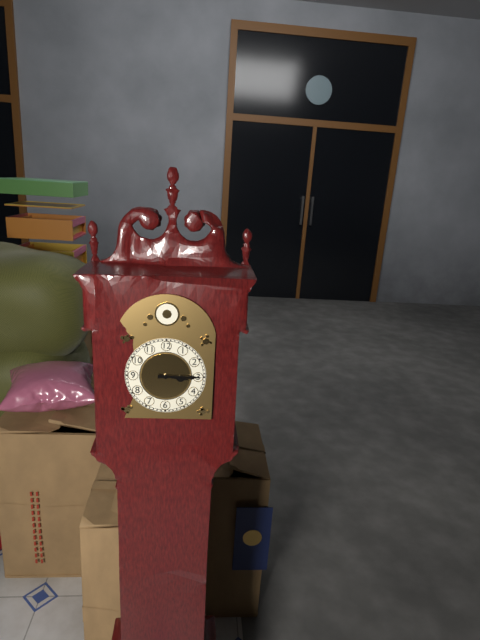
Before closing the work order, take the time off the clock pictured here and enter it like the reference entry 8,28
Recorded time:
3,15
